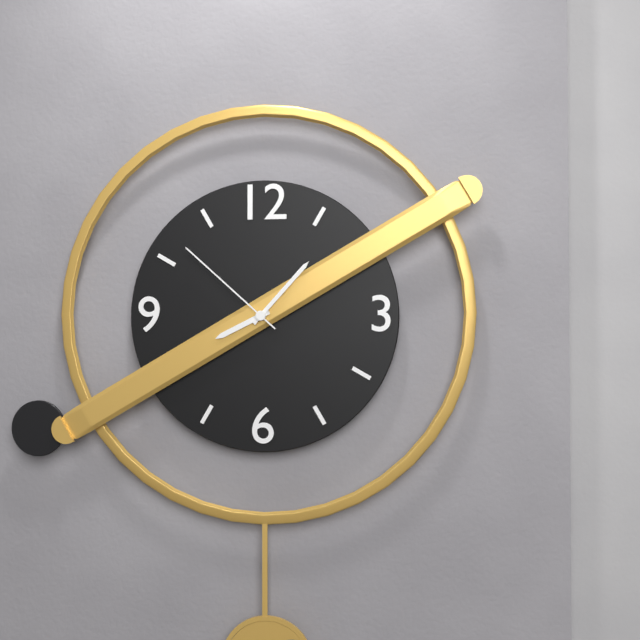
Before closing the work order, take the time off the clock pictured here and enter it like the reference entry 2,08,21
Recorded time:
8,07,52
